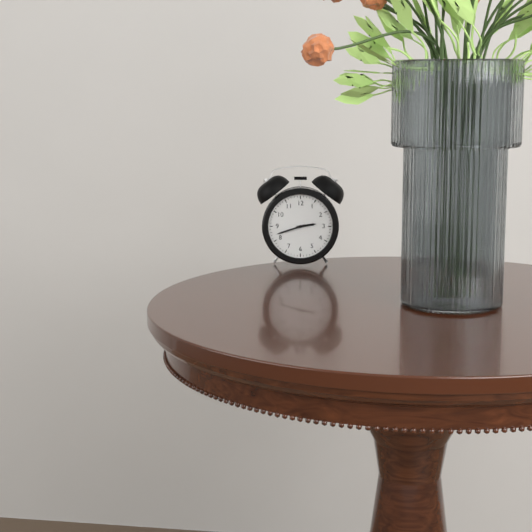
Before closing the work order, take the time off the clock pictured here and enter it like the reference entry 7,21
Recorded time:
2,42
